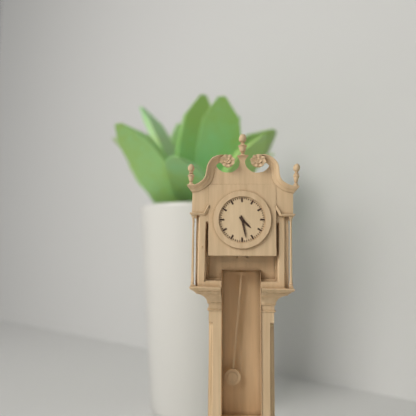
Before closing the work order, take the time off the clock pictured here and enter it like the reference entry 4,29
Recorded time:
4,28
